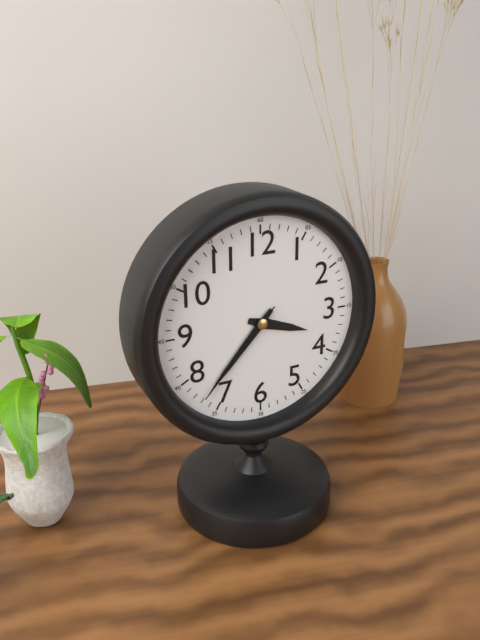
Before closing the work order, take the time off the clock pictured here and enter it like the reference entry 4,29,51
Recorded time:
3,37,37
